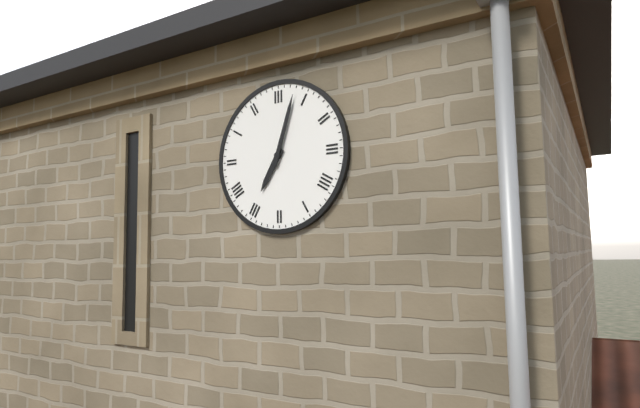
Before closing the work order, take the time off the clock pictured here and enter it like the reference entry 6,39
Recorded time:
7,03
